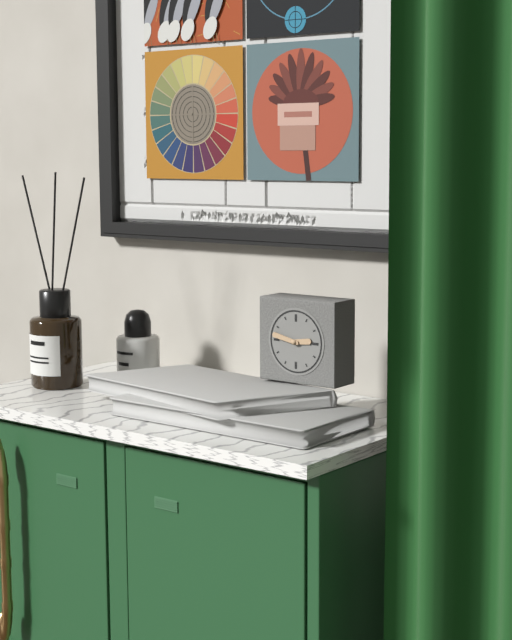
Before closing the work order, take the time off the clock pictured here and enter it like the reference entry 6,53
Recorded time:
2,47
